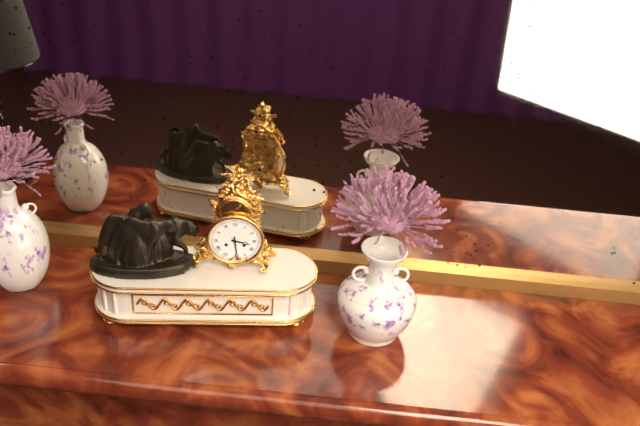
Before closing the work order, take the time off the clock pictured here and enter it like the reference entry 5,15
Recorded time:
3,29
